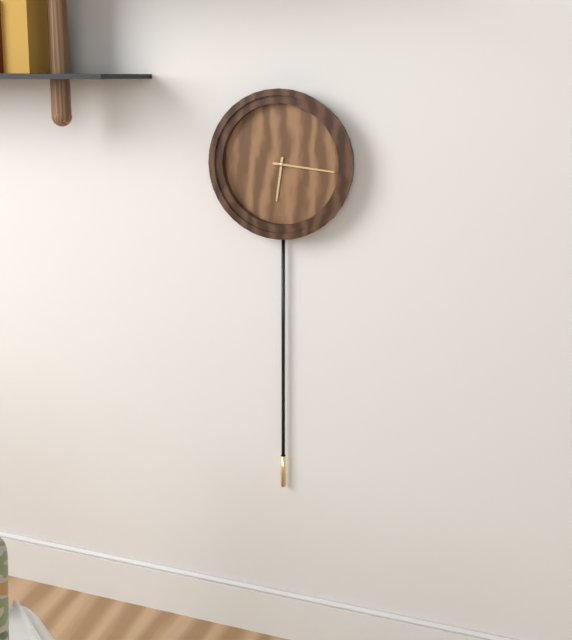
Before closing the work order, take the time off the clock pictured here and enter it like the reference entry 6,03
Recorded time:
6,16
